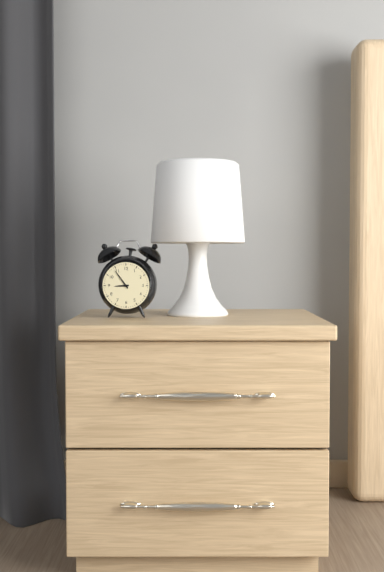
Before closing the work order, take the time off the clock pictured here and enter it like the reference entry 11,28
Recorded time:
8,54
